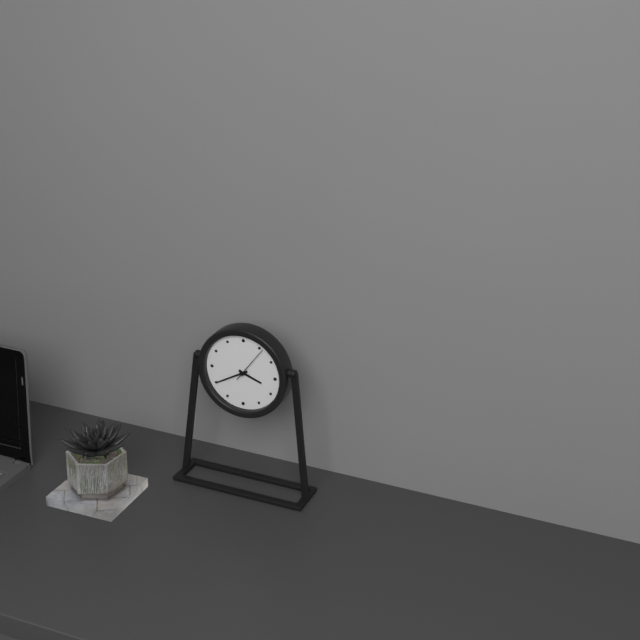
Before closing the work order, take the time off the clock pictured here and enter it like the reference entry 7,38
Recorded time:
3,40
